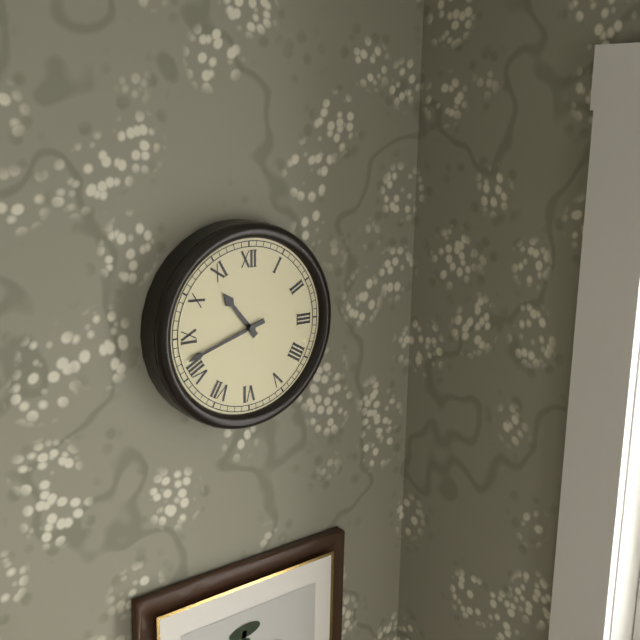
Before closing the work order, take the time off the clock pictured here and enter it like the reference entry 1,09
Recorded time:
10,42
